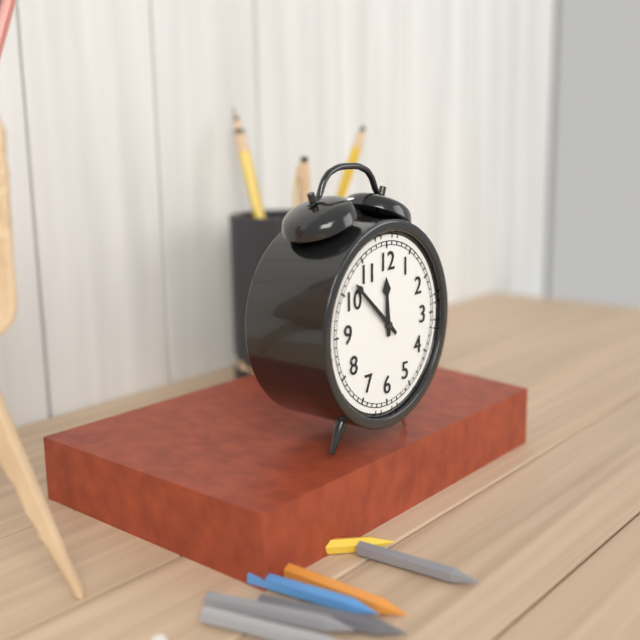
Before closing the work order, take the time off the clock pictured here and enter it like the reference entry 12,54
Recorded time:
11,52
